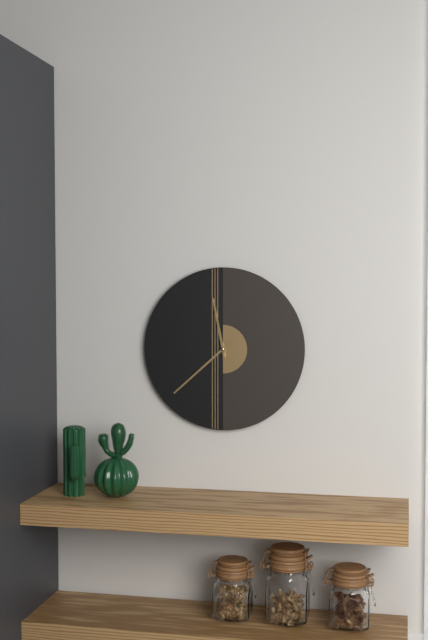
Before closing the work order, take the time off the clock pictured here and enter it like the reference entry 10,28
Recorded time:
11,38
